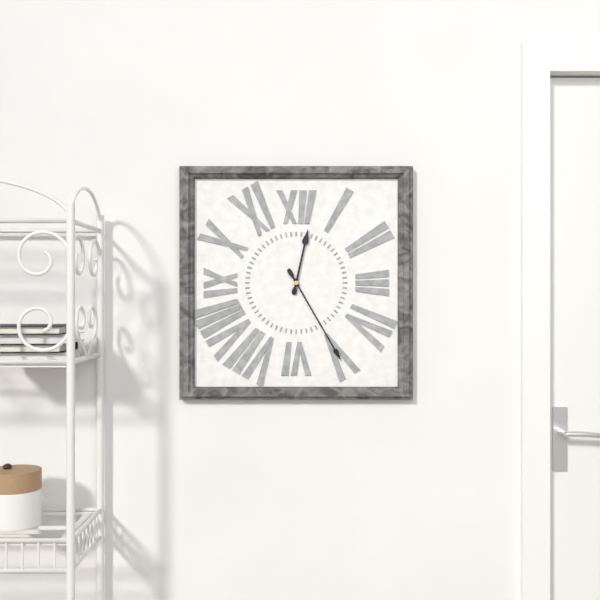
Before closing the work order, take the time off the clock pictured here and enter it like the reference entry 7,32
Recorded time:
12,25
